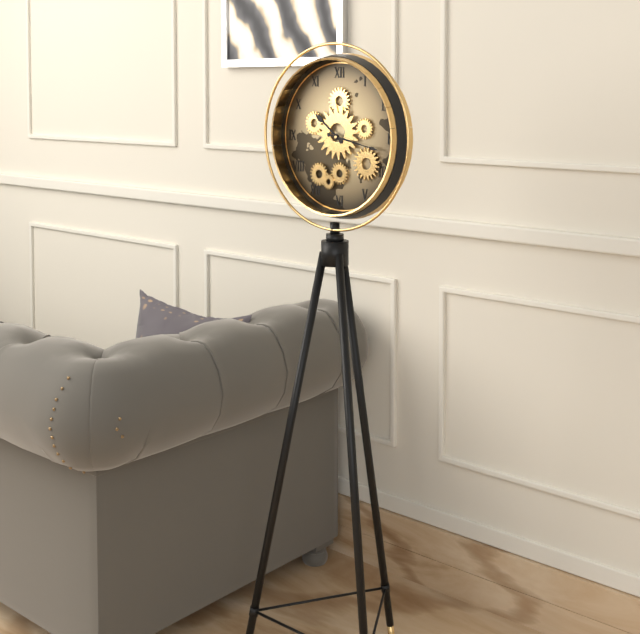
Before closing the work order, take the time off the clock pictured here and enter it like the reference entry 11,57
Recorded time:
10,17
